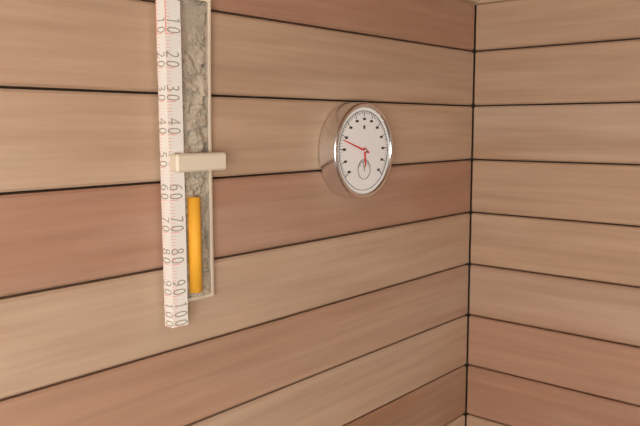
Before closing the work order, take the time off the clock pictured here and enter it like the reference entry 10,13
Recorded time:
5,48
